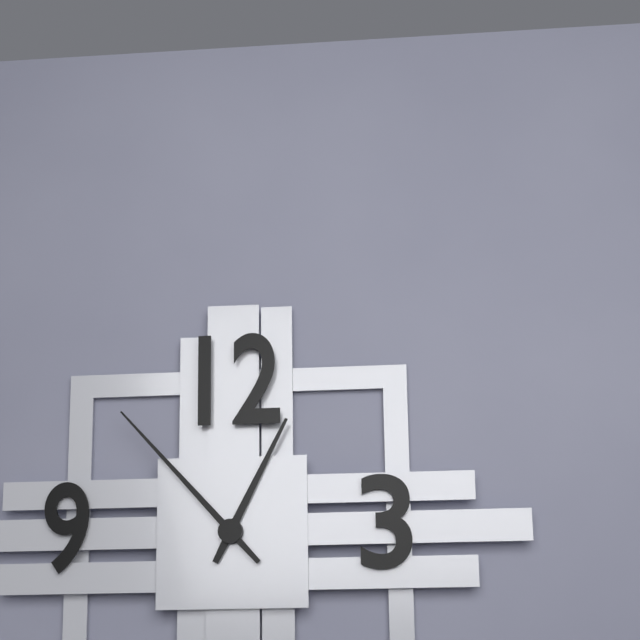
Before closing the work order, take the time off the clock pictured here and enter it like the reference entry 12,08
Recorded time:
12,53
